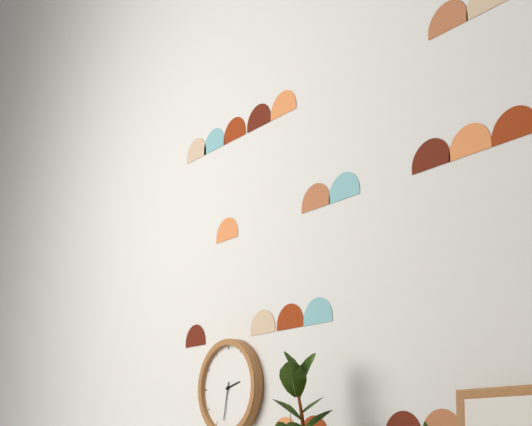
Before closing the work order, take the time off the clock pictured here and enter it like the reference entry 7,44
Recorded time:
2,32
